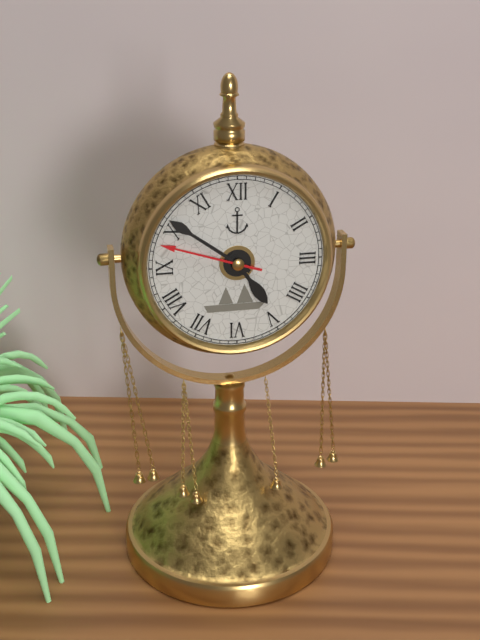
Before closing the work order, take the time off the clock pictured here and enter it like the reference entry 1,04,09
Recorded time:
4,51,48
